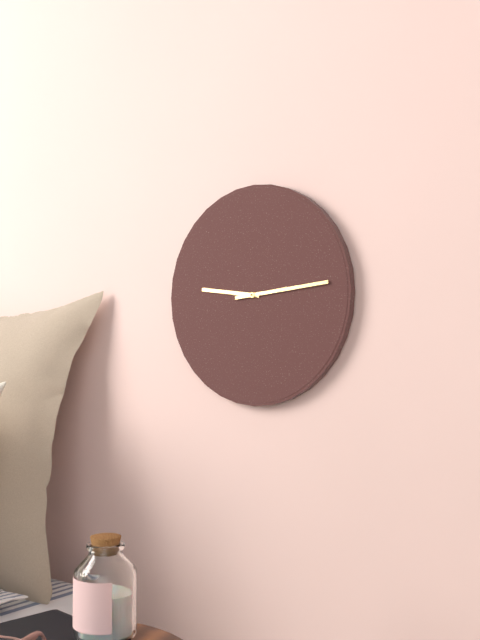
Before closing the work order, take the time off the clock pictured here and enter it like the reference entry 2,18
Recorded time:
9,14
